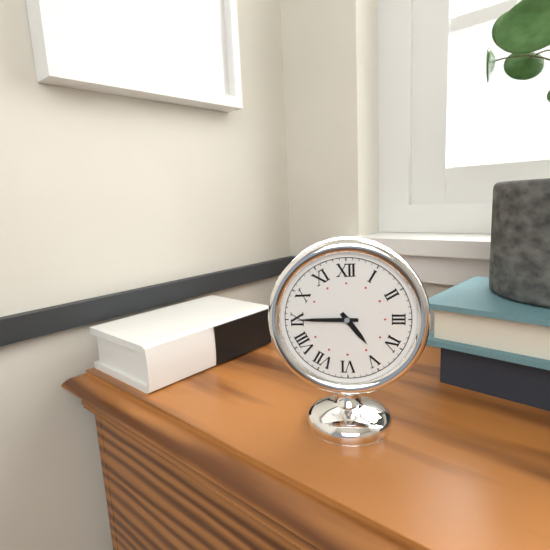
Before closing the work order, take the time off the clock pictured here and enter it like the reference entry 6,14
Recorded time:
4,45
